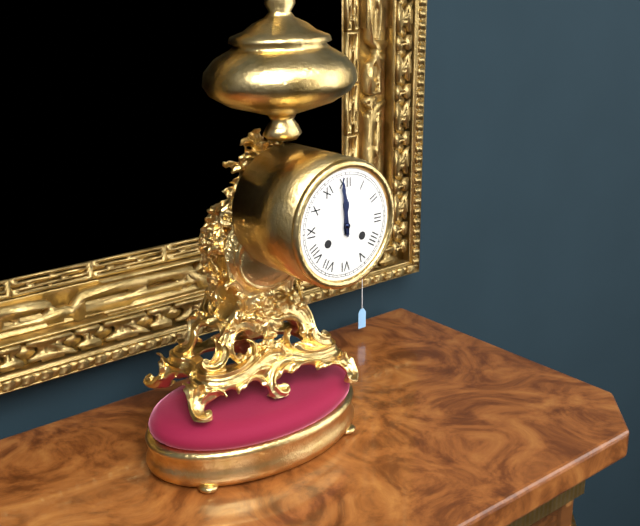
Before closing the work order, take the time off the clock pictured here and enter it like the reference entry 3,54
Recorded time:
11,59
